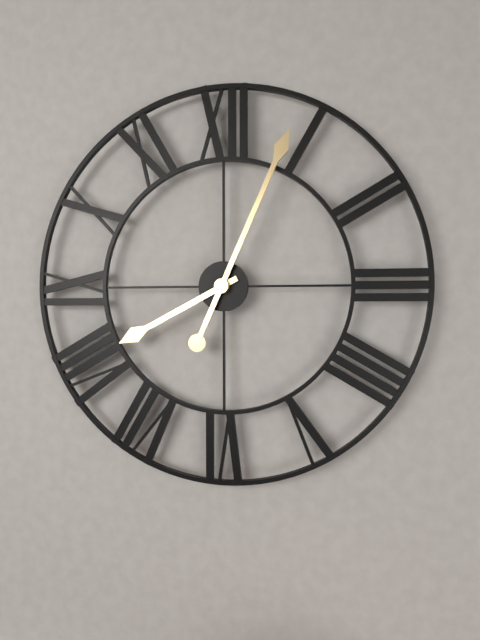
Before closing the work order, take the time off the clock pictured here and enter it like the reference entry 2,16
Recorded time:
8,04
